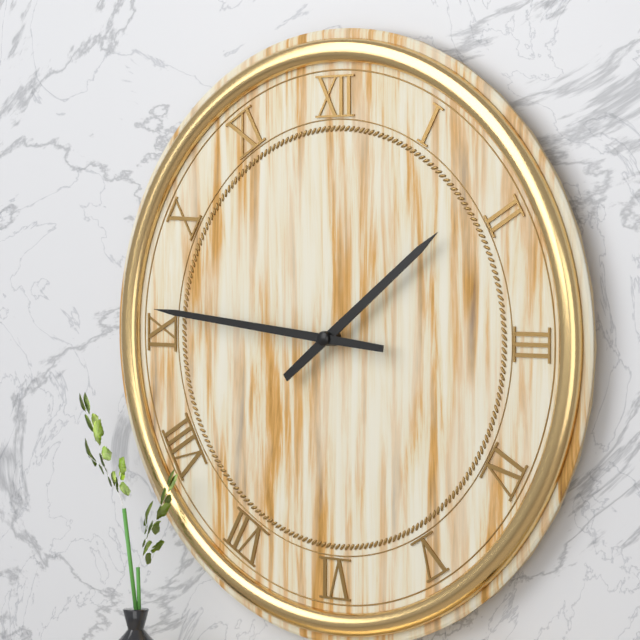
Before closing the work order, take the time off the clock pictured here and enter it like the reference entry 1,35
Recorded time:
1,46
